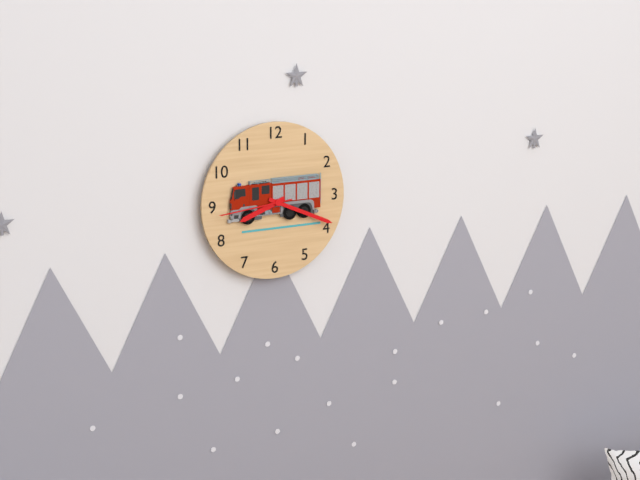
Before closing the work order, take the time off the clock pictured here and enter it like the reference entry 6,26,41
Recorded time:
8,19,44
